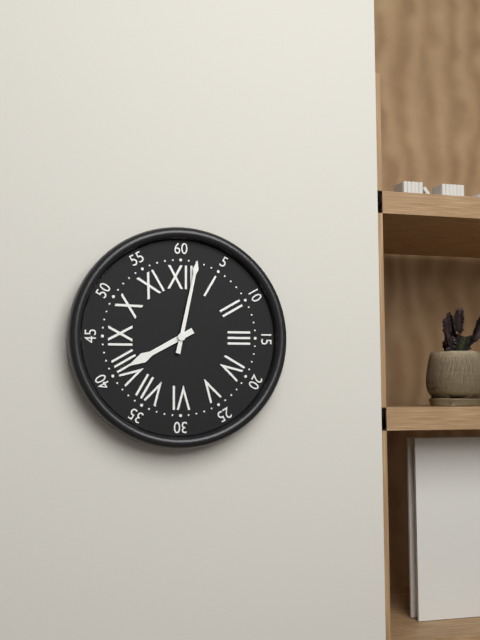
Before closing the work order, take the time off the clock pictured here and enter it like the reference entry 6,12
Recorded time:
8,02
